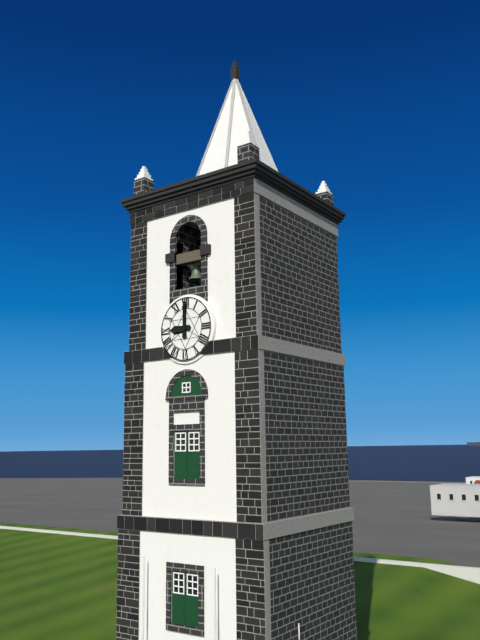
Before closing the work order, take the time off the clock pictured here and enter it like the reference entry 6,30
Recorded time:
9,00
